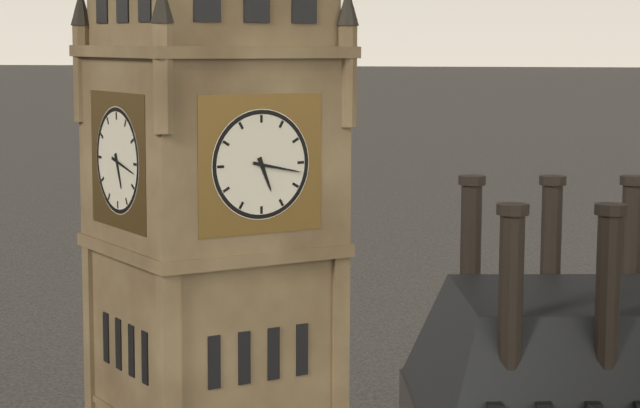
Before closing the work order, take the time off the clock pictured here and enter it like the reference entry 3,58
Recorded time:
5,17
